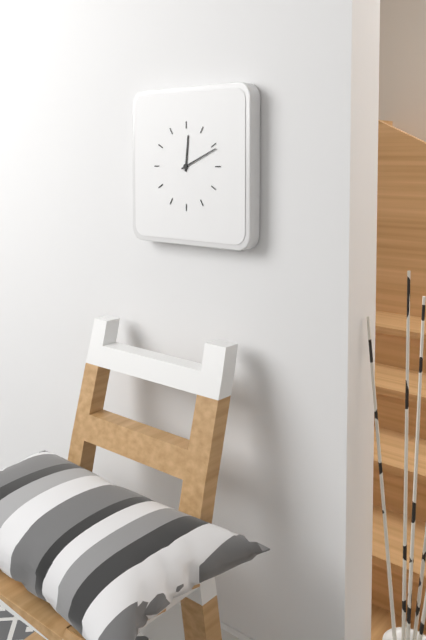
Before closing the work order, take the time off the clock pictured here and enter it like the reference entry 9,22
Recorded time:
12,11
